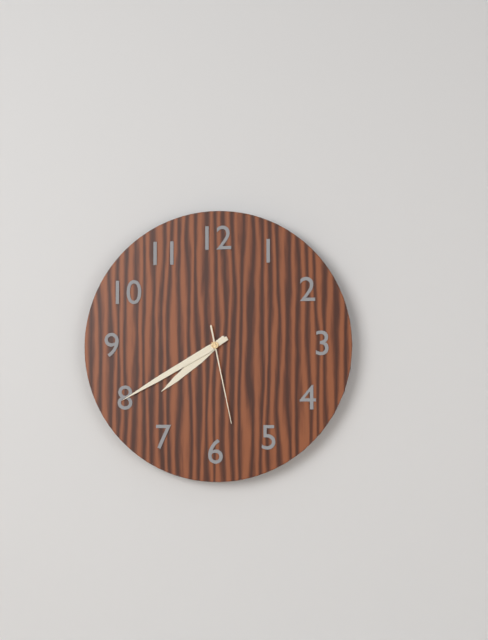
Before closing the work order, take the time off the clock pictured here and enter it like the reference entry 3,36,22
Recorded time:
7,40,28
